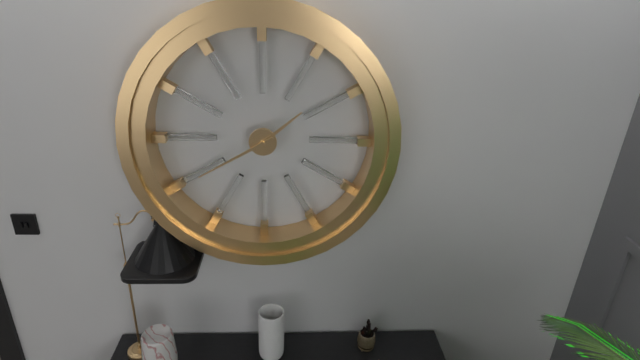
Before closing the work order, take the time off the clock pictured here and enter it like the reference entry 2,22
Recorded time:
1,40
